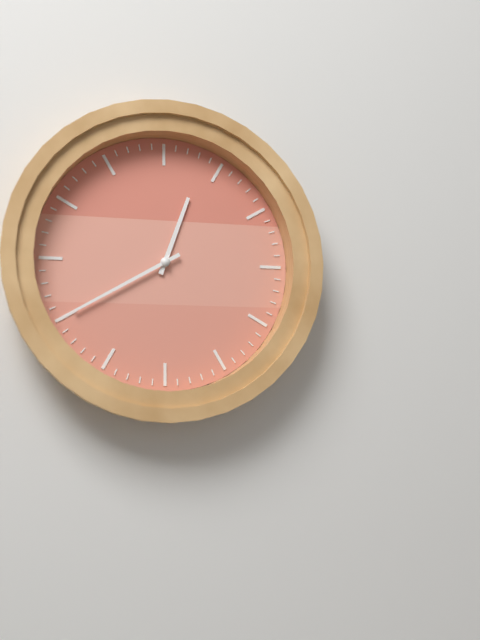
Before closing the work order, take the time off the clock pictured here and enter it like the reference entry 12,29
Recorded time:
12,40
